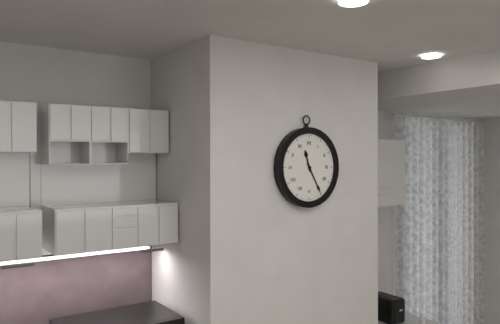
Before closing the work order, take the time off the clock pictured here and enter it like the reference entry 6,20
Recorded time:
11,25
